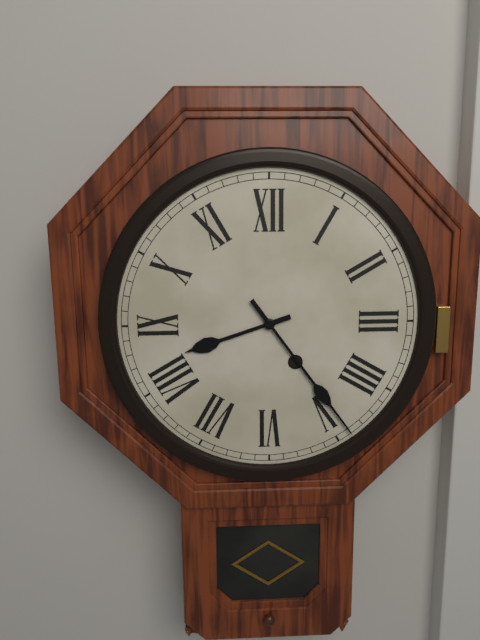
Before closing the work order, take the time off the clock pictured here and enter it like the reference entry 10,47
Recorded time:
8,24
